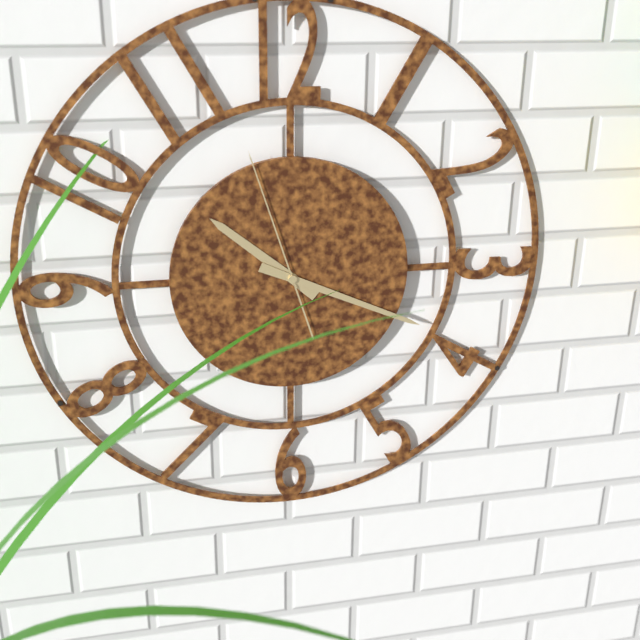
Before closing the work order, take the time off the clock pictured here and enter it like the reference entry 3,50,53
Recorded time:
10,19,57
